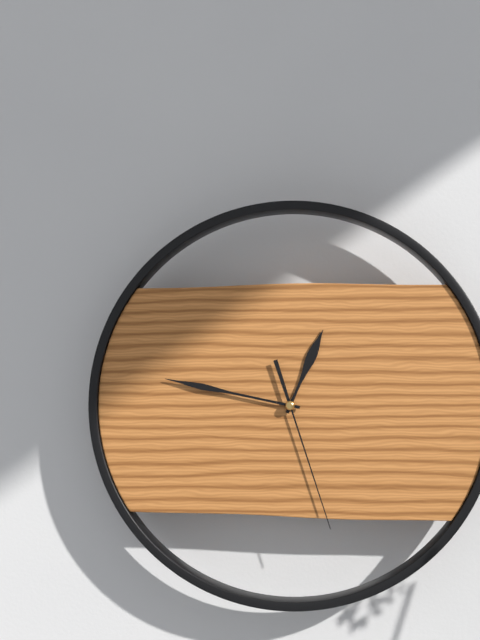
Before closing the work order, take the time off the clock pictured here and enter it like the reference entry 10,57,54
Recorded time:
12,47,27
